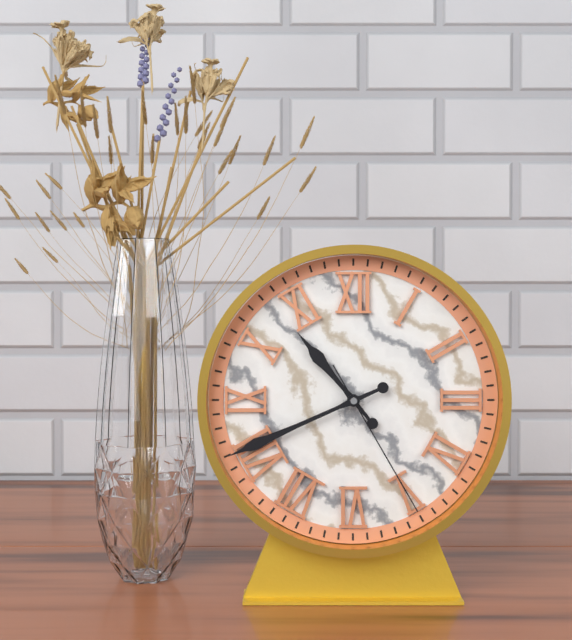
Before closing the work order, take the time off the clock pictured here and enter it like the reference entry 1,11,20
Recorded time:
10,41,25
